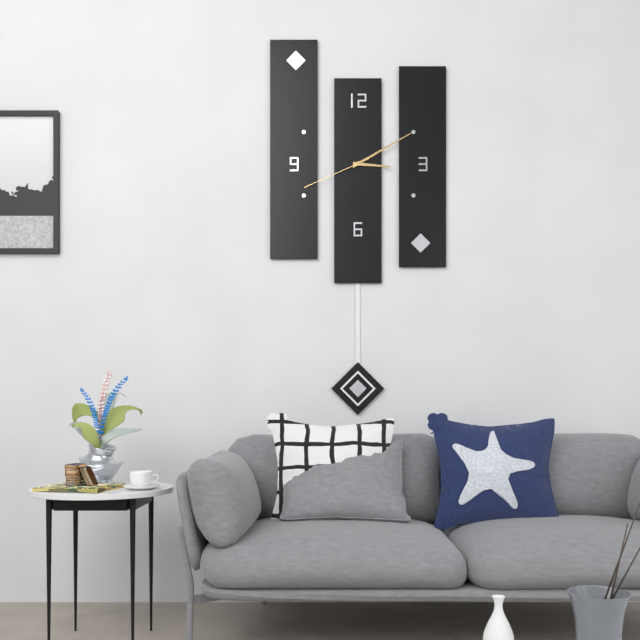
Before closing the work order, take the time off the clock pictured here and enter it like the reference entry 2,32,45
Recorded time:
3,10,41
